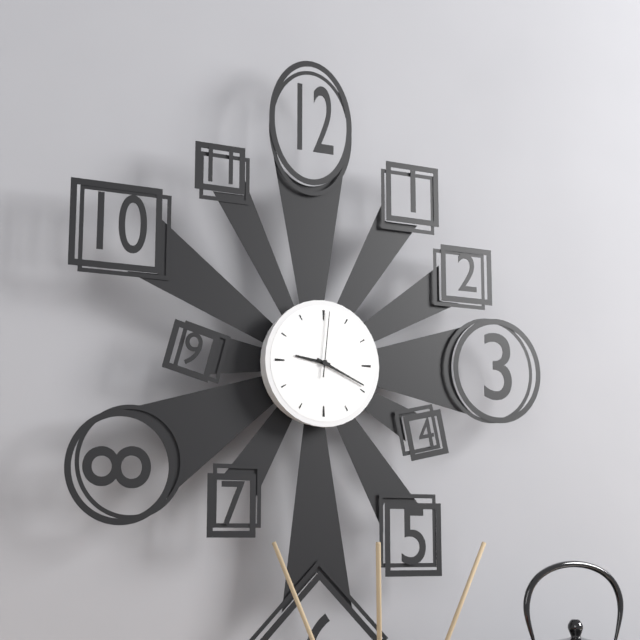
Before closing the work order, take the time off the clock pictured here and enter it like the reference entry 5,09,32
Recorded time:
9,19,01
